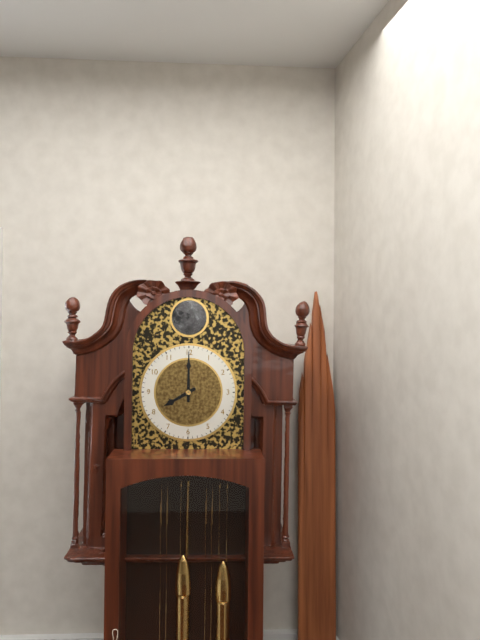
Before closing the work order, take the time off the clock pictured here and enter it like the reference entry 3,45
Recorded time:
8,00
